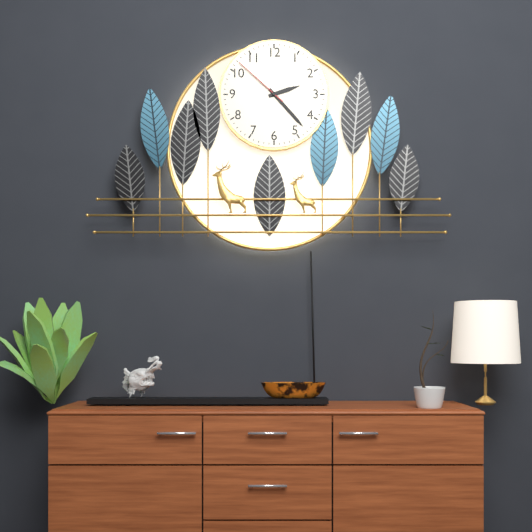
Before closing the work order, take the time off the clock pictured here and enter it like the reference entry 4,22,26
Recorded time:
2,23,52
